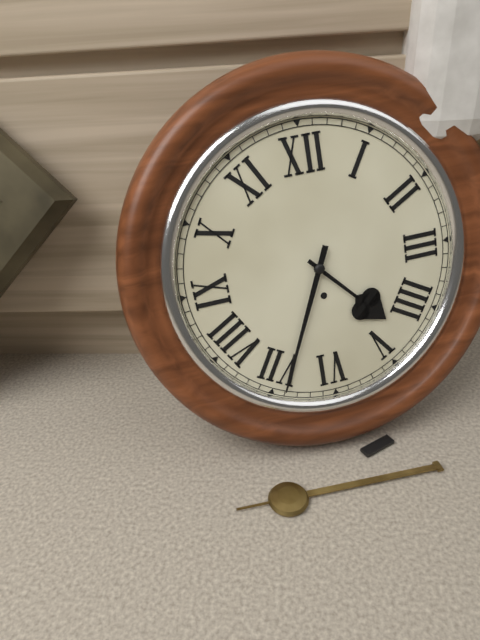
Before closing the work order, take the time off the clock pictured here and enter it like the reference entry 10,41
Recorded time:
4,34
